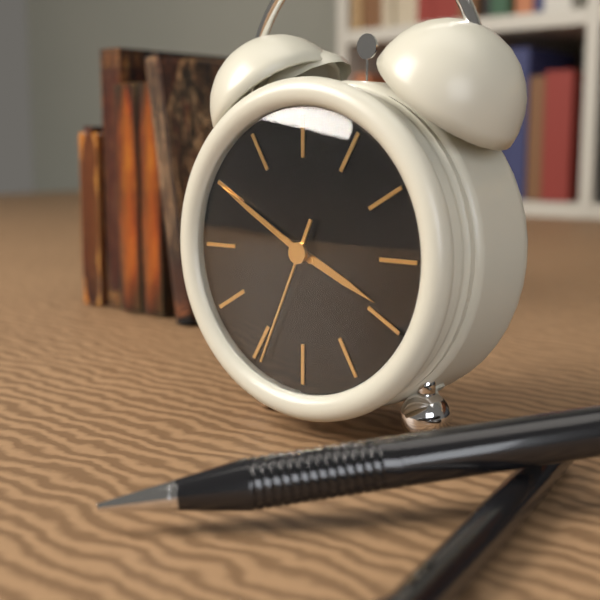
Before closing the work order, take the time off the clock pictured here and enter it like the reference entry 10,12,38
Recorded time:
3,50,34
